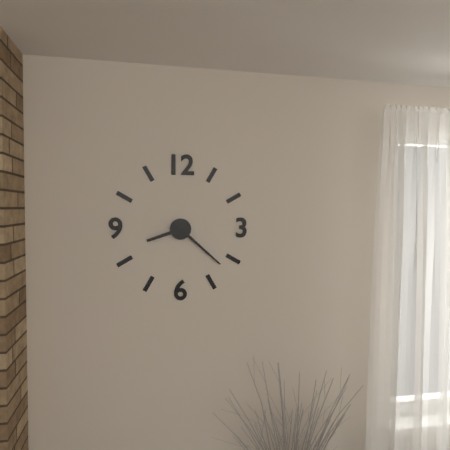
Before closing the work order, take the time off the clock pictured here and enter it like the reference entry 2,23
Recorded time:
8,22
